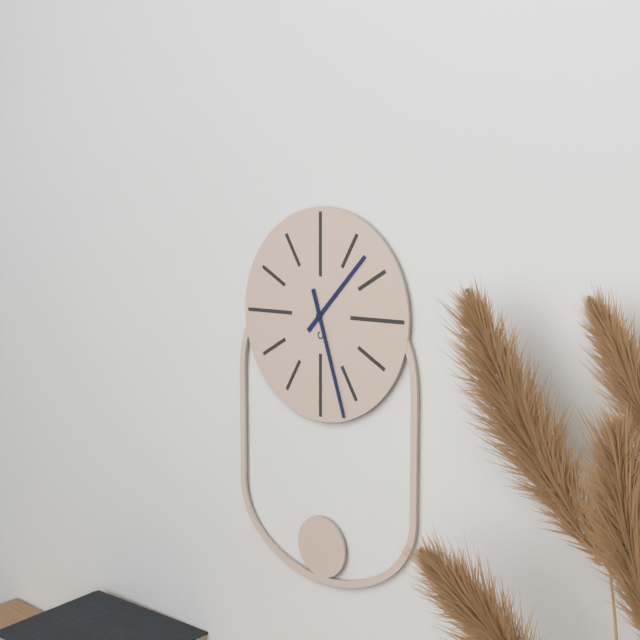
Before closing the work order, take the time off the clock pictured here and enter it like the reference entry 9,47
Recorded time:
1,27
